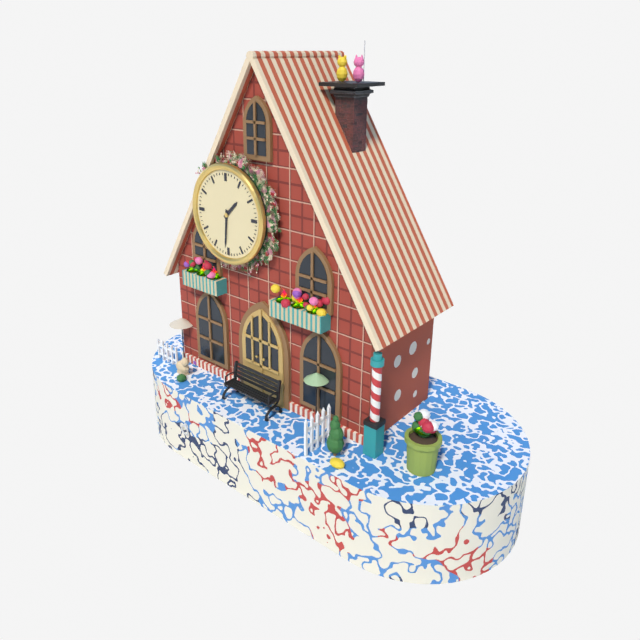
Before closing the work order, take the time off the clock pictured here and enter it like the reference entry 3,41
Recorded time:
1,31
